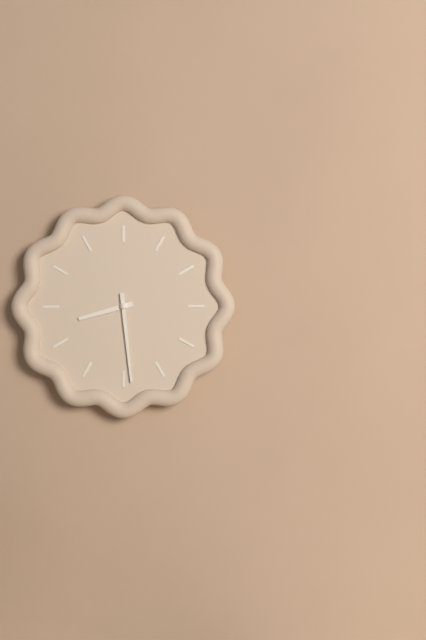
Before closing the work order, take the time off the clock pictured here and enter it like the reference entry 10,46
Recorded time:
8,29
